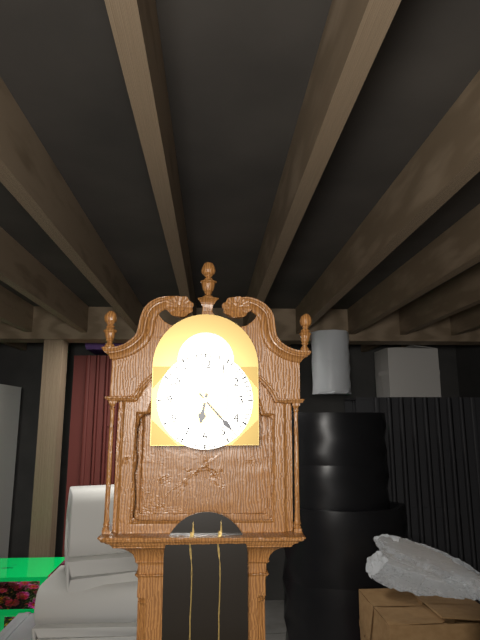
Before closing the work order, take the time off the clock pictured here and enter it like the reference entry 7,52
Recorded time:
6,23
